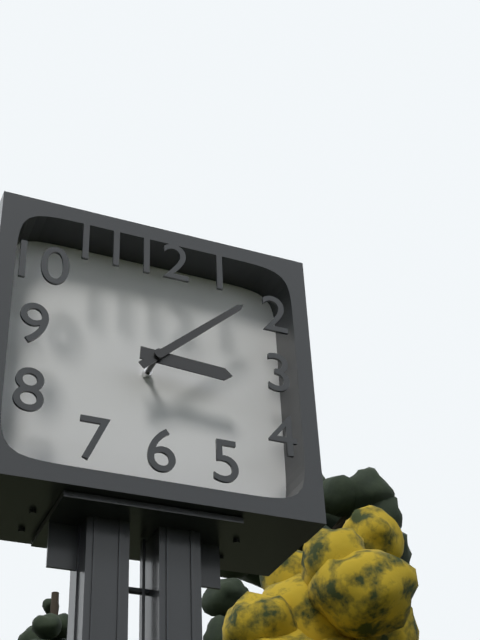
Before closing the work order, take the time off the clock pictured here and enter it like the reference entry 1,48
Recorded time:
3,08
